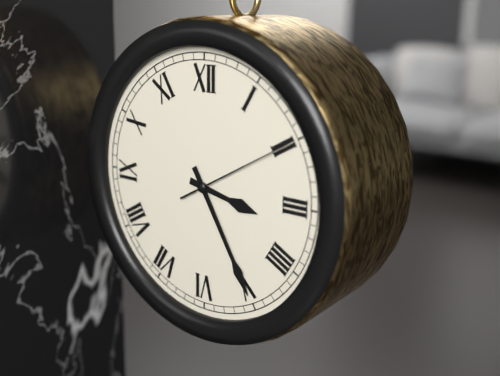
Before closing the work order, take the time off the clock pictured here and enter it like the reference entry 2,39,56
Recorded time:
3,25,10
